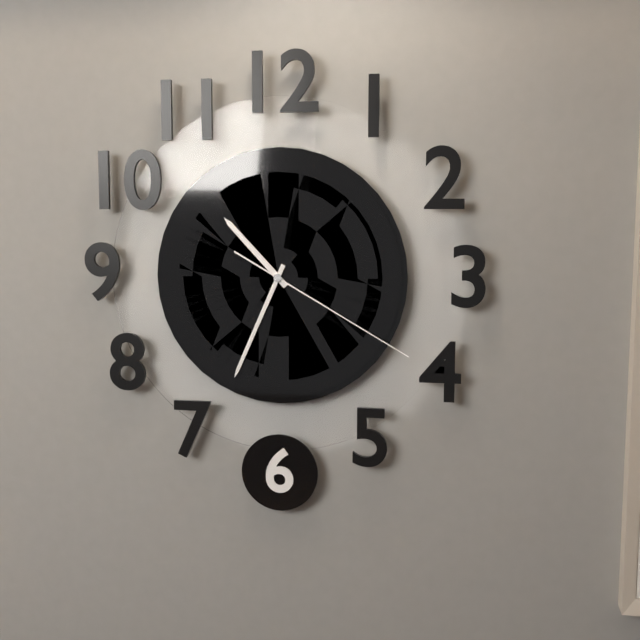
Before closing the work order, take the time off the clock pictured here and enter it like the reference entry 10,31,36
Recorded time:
10,34,20
